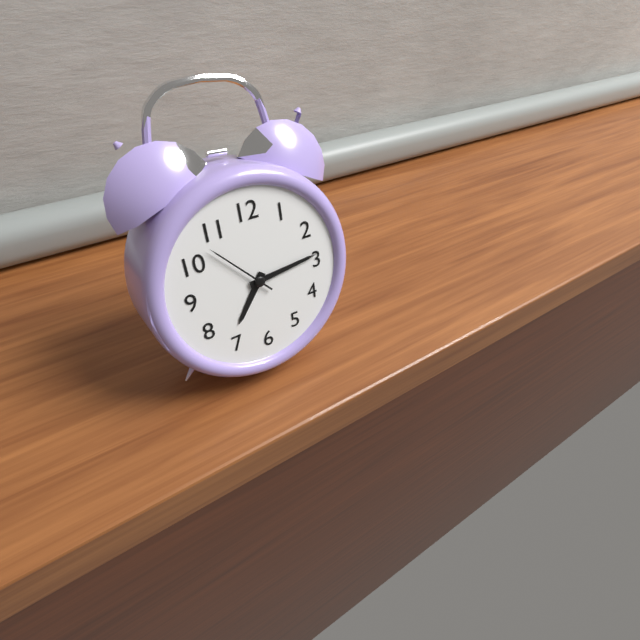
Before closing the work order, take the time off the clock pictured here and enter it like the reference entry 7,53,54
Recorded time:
7,14,53
